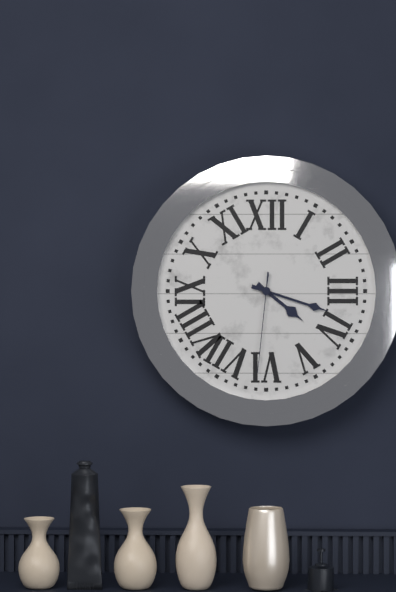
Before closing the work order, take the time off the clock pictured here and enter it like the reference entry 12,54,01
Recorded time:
4,18,31
